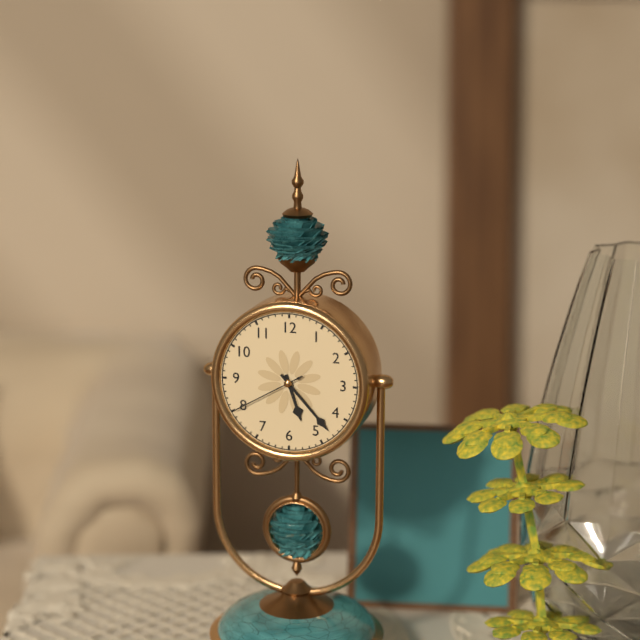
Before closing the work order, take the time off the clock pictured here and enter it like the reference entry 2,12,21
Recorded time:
5,23,40
